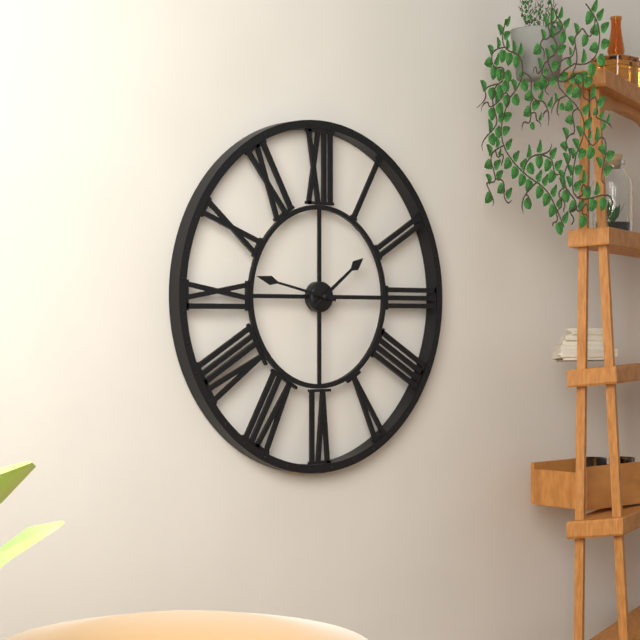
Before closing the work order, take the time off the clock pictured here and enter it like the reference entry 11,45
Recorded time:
1,47
